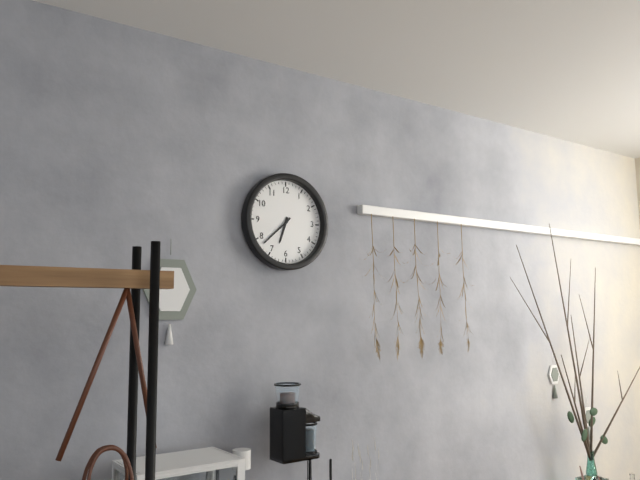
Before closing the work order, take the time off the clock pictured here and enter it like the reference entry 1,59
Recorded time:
6,38
